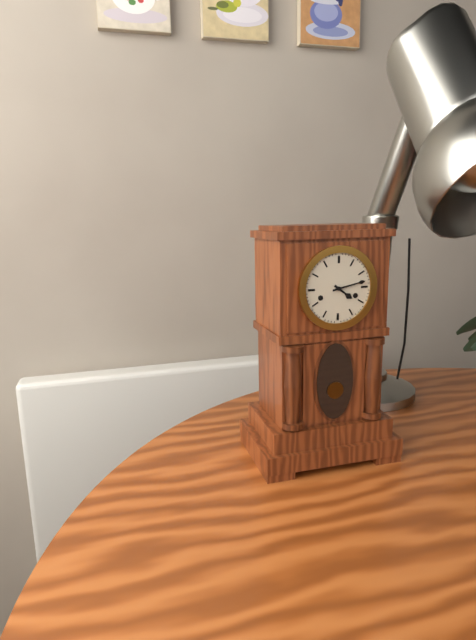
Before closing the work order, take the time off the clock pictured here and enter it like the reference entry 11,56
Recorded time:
4,13
